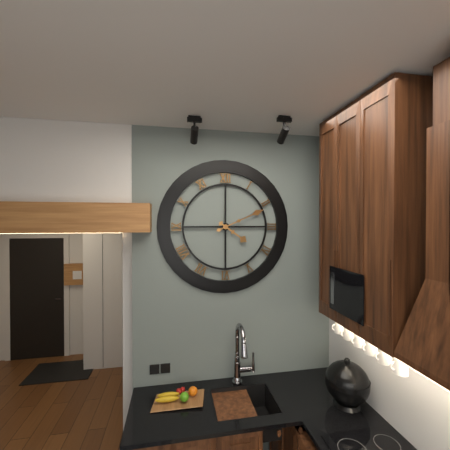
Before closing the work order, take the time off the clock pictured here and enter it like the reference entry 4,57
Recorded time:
4,11
